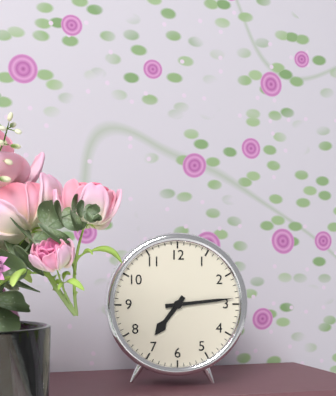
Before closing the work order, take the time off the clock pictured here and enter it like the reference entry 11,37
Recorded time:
7,14
